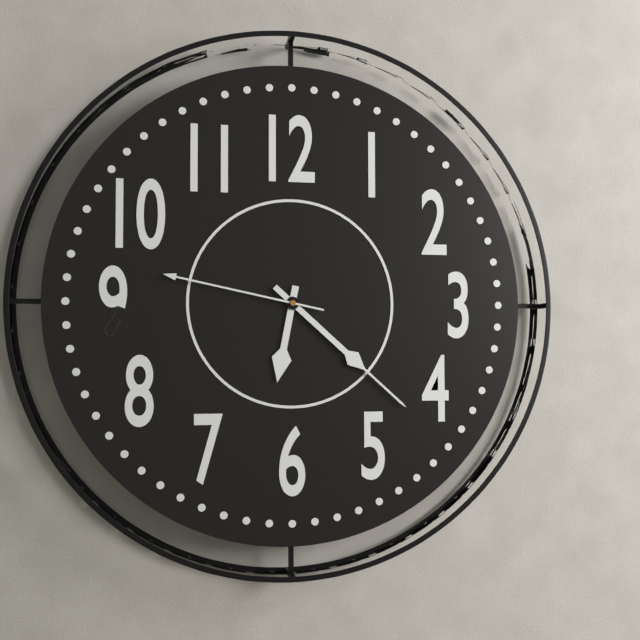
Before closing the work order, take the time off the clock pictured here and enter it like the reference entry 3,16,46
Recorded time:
6,22,47
